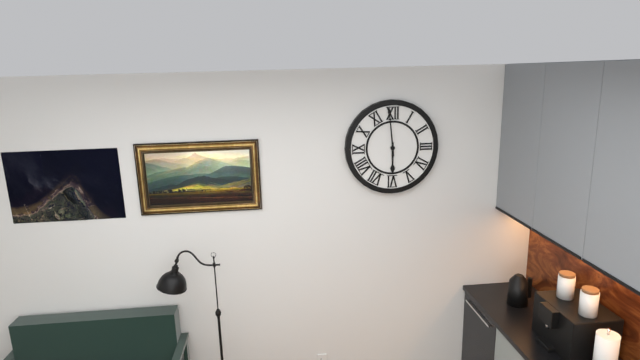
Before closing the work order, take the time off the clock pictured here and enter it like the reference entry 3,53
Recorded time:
5,59
